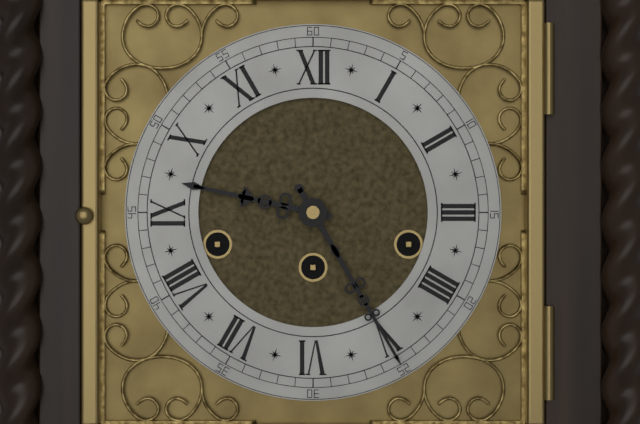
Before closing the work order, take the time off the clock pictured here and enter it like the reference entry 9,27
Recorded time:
9,25
